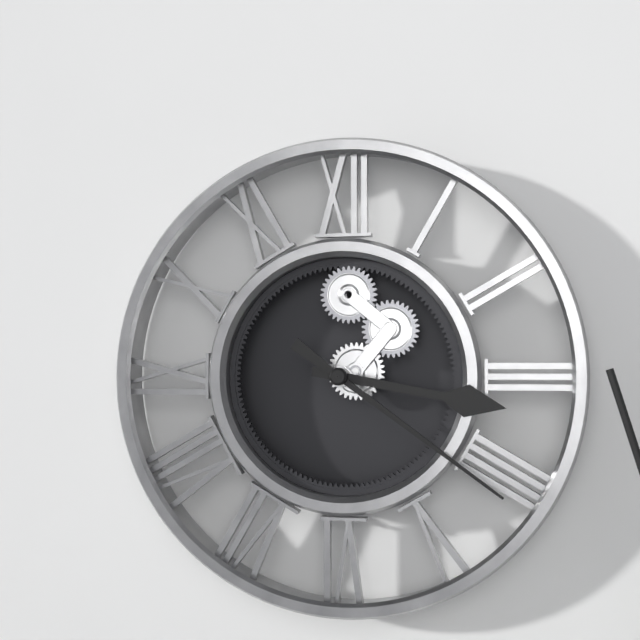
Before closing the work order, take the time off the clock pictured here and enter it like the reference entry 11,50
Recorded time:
3,21
